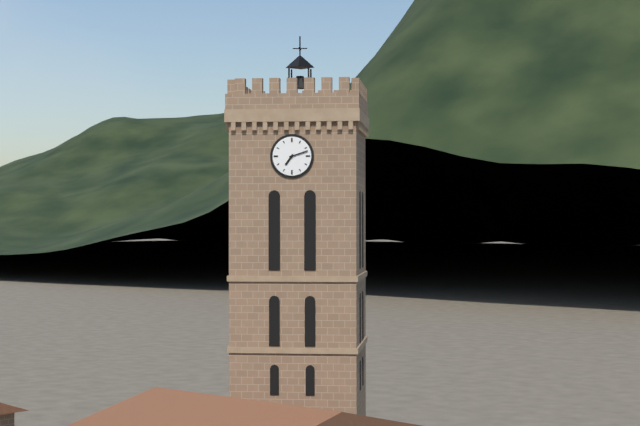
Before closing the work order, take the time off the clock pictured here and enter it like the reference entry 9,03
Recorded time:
7,12
